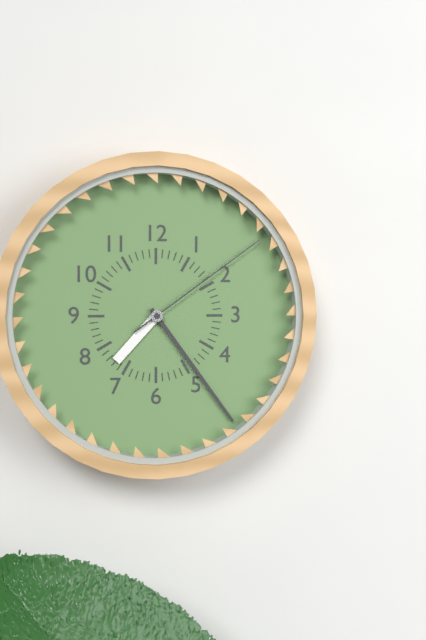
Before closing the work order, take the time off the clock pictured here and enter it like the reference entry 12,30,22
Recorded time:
7,24,09
